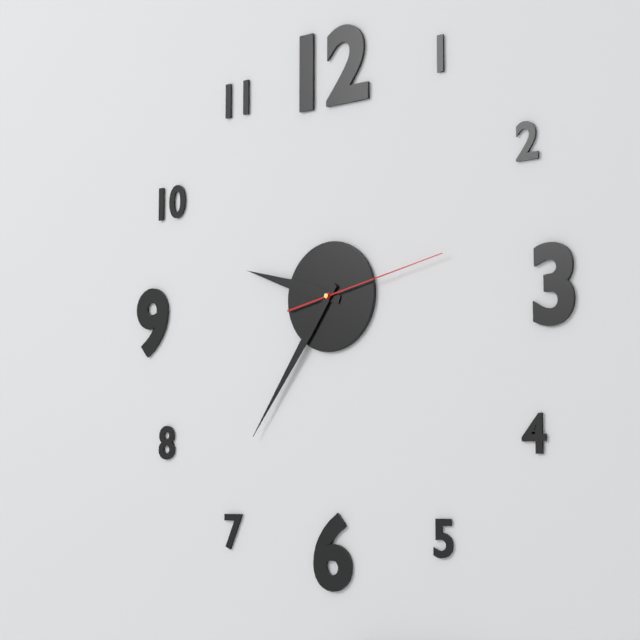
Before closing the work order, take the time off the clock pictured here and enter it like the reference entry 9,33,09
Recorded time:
9,36,13
